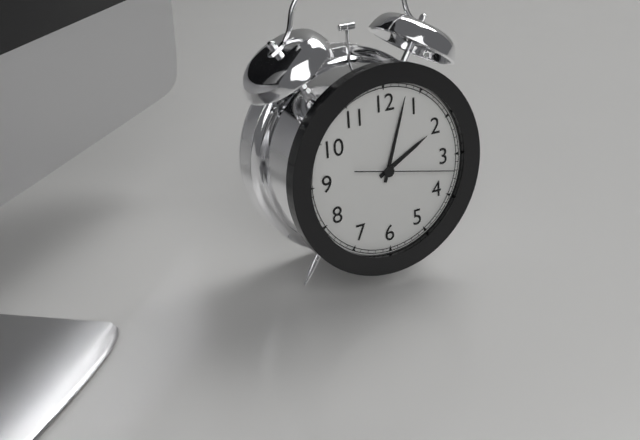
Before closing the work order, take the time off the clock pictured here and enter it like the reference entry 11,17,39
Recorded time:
2,03,17
